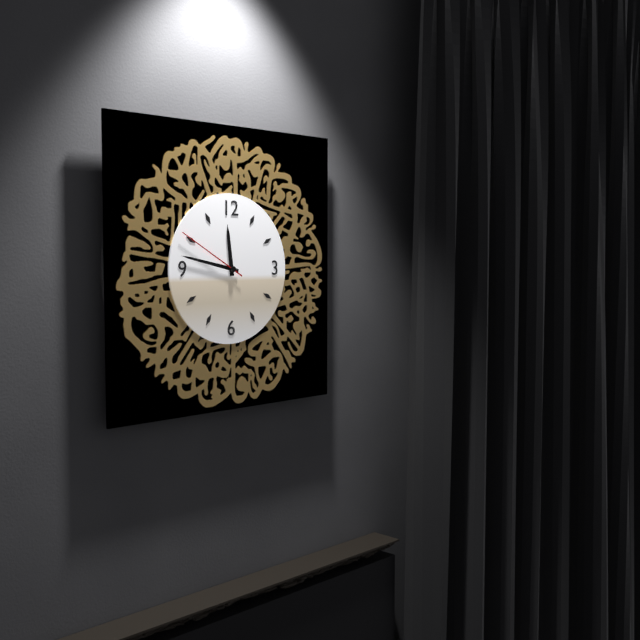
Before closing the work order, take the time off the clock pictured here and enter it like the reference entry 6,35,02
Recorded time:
11,47,50
